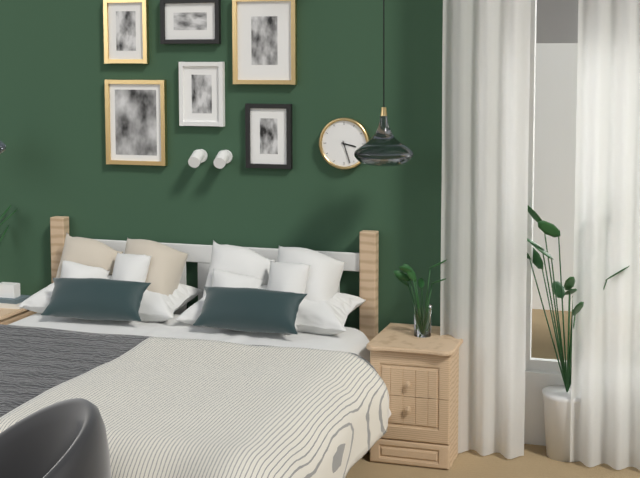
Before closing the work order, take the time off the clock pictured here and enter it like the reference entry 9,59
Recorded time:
3,27
